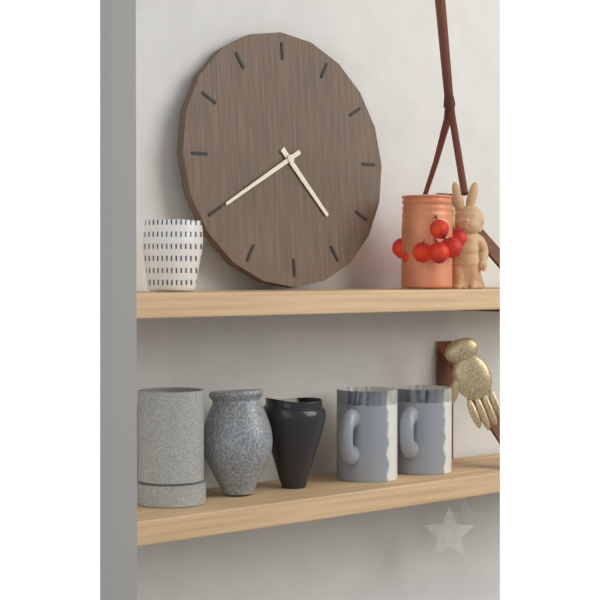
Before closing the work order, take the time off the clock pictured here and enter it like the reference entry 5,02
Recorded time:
4,40
